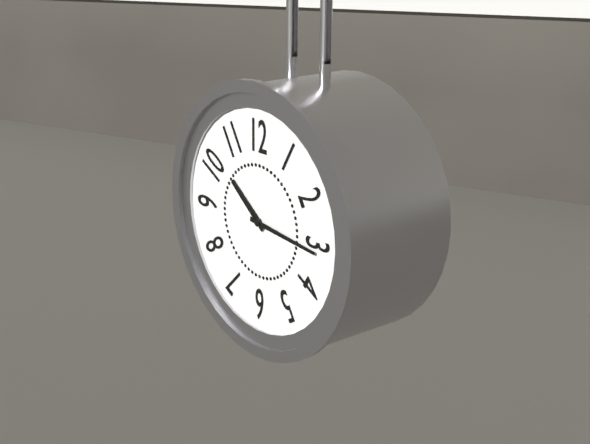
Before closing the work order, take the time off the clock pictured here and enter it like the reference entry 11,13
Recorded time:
10,16
